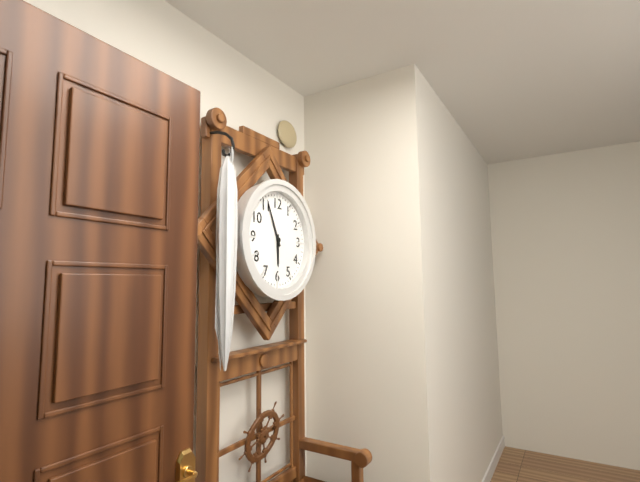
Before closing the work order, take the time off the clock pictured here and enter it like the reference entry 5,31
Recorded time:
5,56
